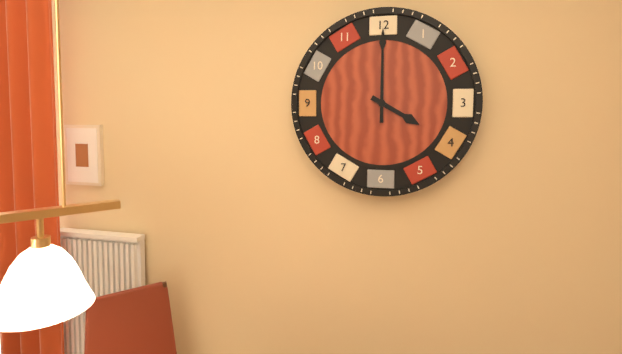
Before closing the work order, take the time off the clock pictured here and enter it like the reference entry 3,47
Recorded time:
4,00
